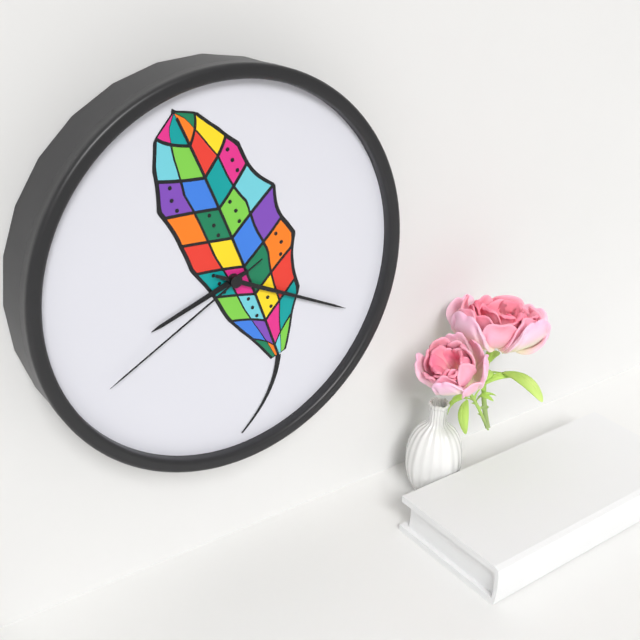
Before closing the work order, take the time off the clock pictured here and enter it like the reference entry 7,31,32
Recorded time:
8,19,40
